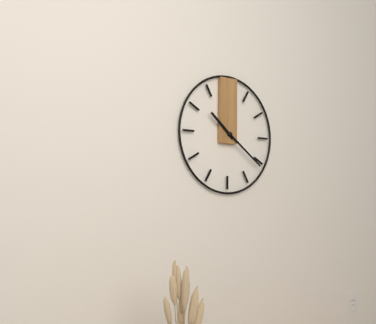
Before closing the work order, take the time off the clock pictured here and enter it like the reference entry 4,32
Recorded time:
10,21
